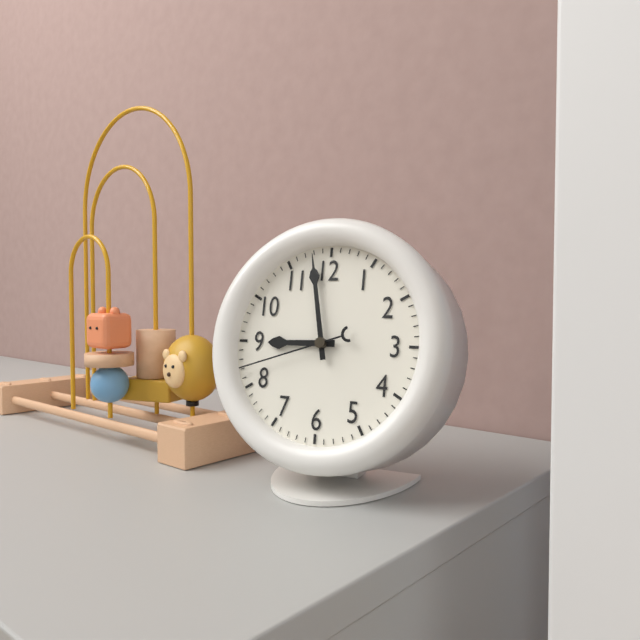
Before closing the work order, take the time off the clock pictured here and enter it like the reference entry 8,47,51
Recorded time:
8,58,42
